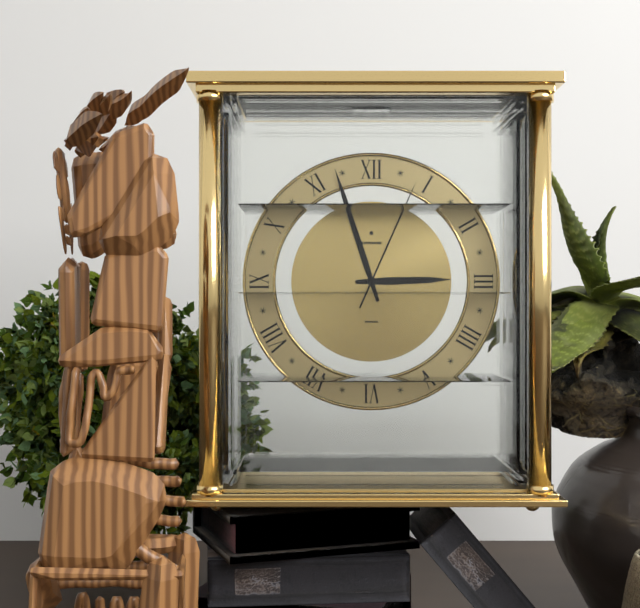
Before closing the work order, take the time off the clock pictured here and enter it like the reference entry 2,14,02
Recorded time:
2,57,04
